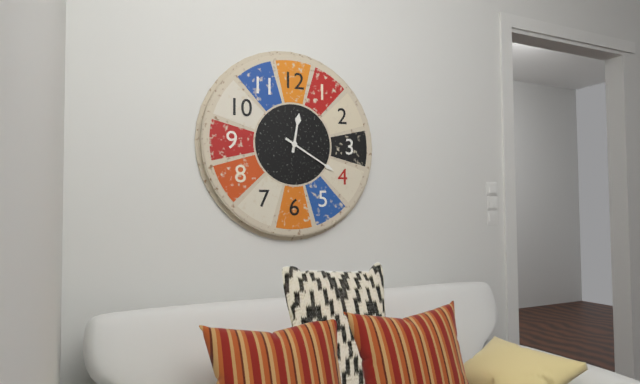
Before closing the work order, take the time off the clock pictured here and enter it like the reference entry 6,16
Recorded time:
12,20
